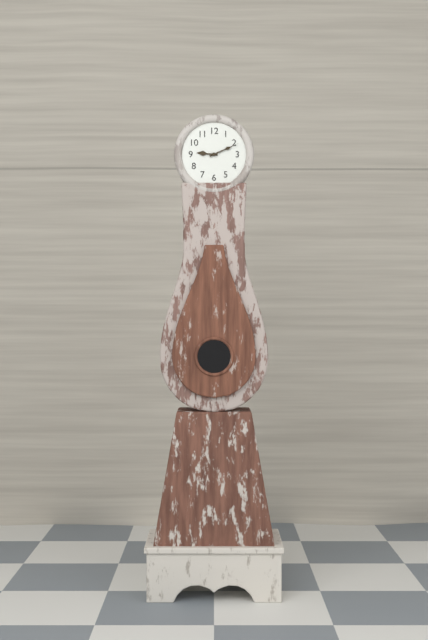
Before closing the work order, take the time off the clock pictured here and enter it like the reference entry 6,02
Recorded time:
9,11
